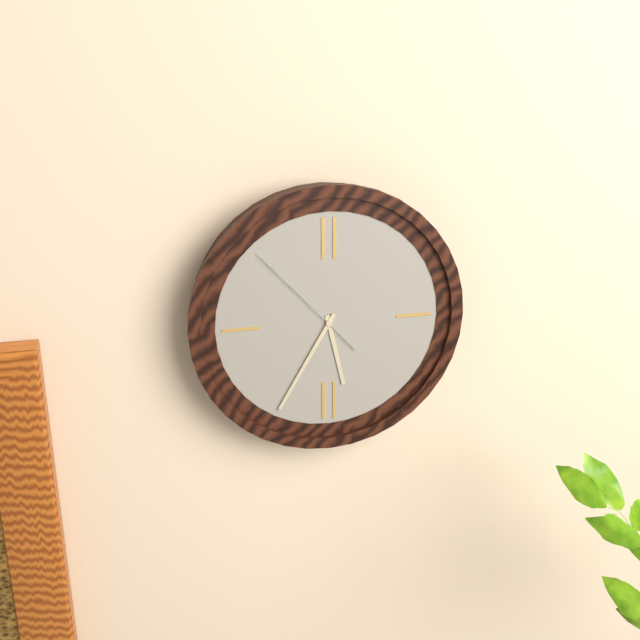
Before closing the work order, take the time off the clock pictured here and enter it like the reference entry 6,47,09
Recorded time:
5,35,53
